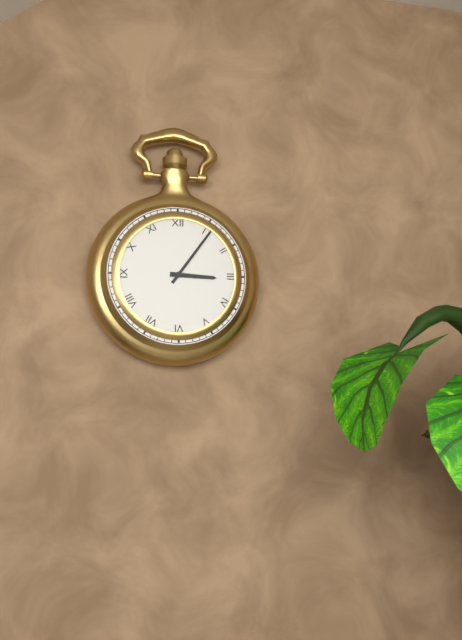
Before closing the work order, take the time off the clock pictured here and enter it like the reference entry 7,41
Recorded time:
3,06
